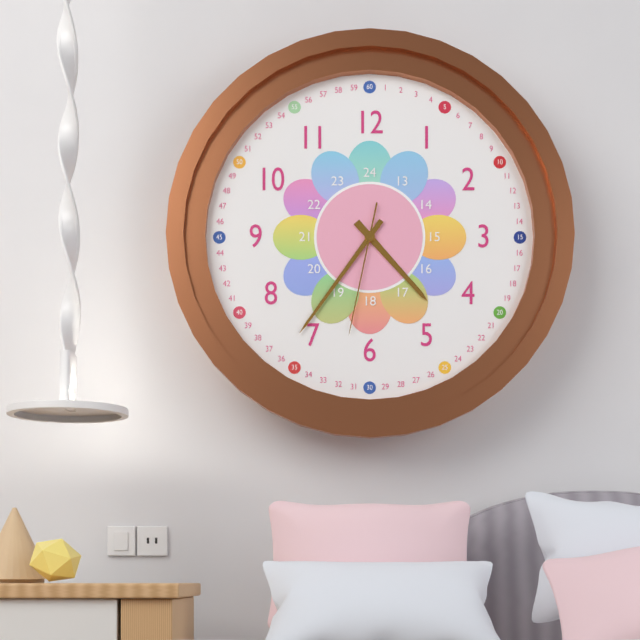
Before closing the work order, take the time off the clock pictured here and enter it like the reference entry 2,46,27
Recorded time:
4,36,32
